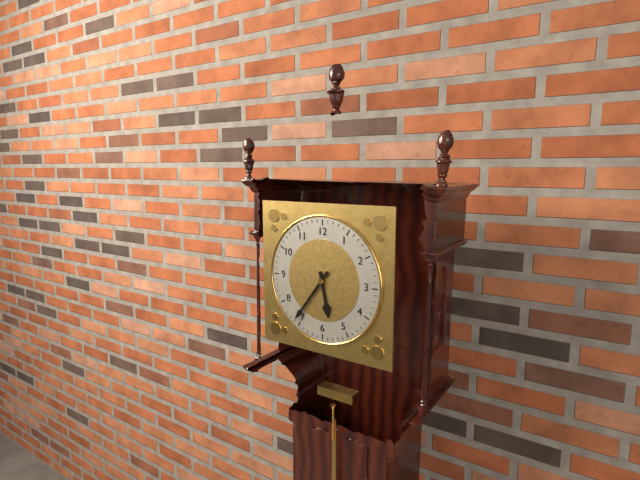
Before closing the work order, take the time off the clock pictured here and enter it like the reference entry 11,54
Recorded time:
5,36
